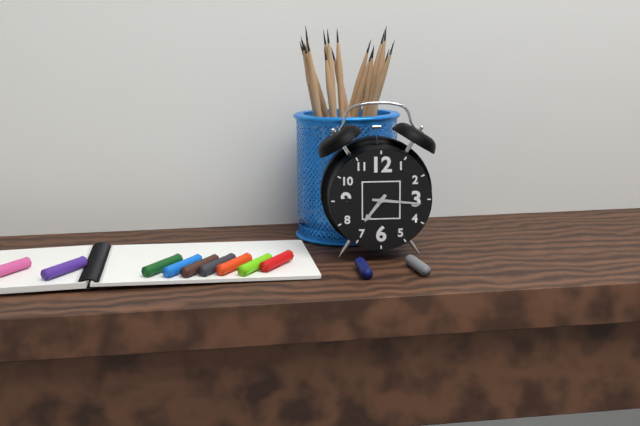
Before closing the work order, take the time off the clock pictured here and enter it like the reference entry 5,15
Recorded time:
7,16
